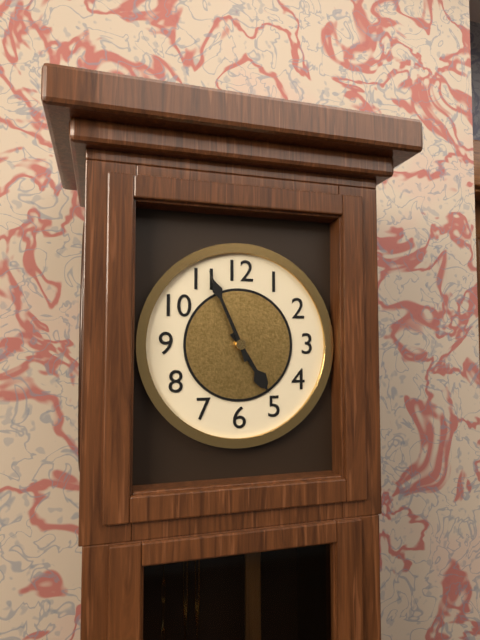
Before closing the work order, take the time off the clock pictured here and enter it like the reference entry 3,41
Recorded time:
4,56
